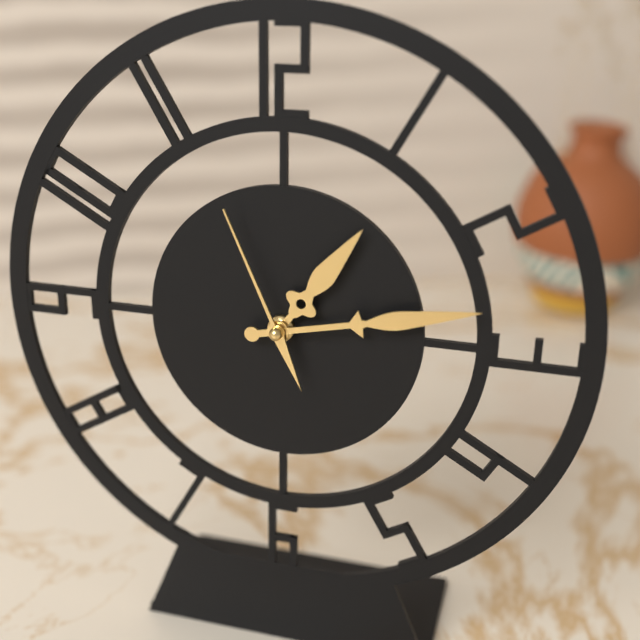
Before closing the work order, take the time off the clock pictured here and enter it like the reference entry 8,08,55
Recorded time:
1,13,56
